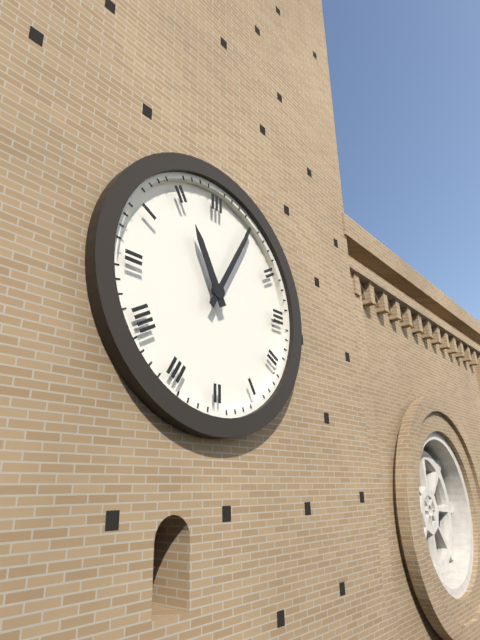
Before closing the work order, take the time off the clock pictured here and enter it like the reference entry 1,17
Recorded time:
11,05
